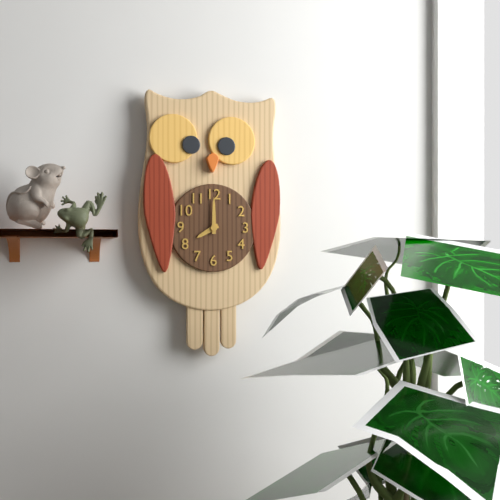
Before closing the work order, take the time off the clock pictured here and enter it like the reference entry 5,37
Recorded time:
8,00
